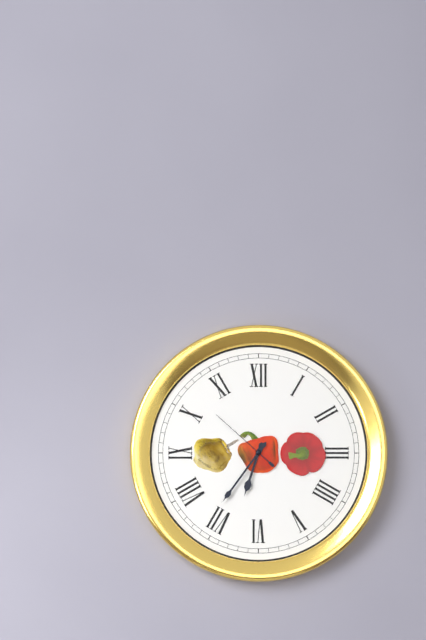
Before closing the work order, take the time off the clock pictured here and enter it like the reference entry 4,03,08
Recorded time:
6,36,52
